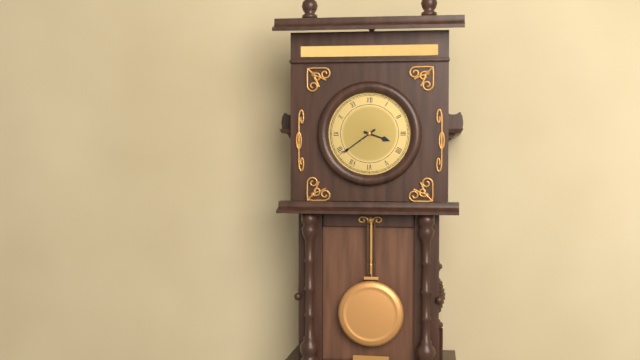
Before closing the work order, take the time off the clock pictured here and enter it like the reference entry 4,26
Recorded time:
3,39
